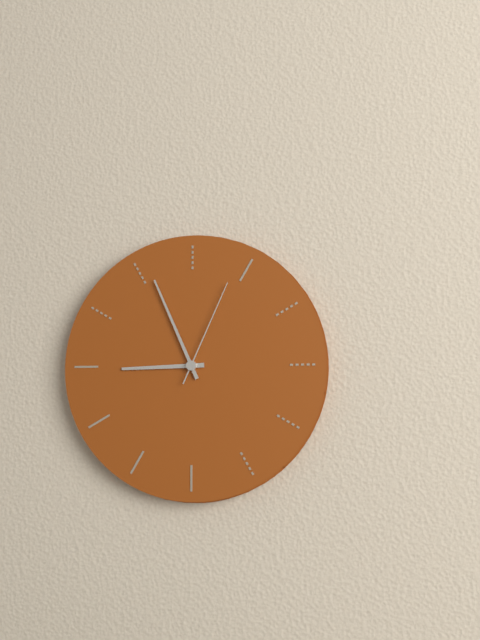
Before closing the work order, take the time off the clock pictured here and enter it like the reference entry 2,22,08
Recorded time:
8,56,04
